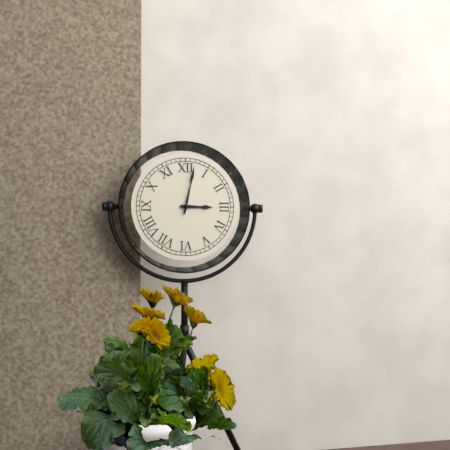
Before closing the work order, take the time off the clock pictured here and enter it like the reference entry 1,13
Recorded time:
3,02
